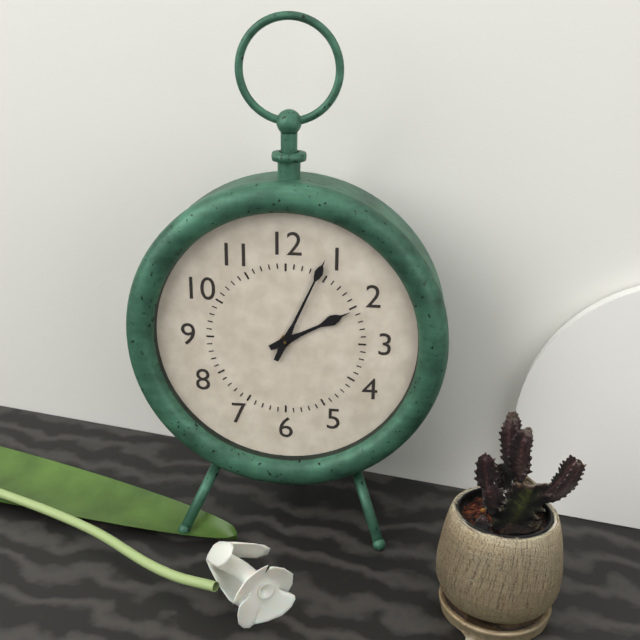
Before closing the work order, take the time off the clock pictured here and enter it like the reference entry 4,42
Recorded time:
2,04
